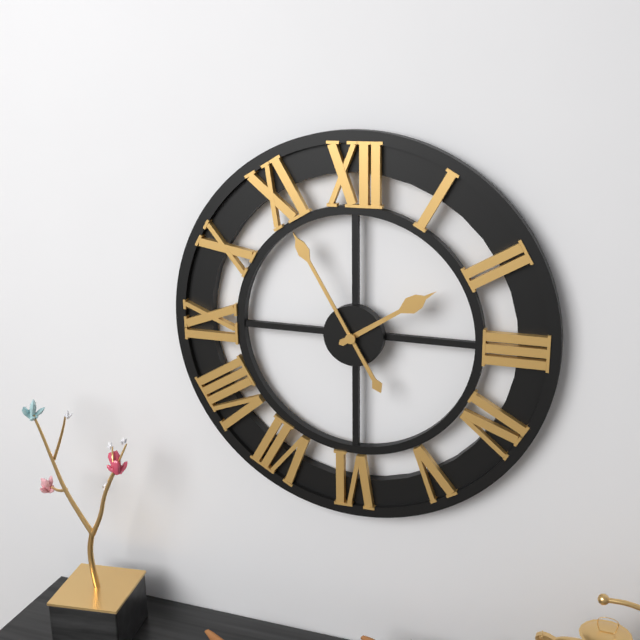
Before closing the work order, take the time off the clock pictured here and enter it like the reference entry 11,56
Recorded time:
1,55
